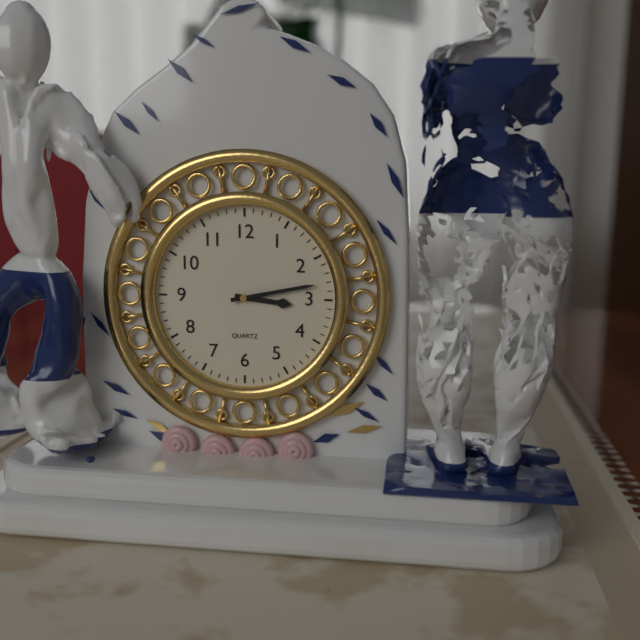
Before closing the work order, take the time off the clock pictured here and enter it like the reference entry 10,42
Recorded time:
3,13
